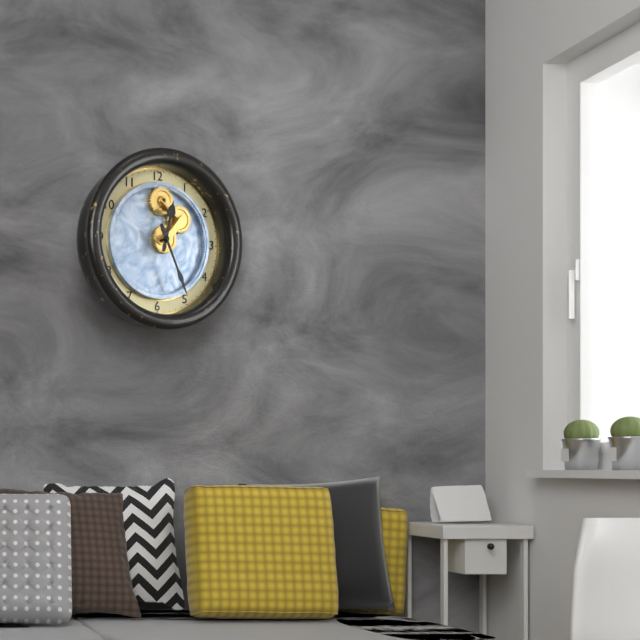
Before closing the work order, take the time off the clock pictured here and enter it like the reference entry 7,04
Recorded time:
12,26
